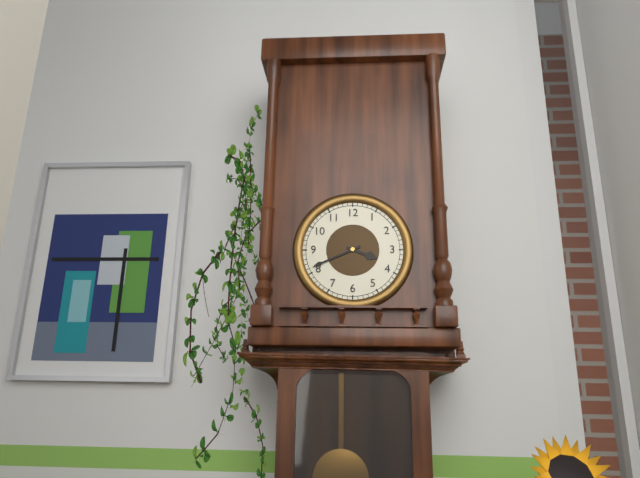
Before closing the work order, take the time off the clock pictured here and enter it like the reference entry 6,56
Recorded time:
3,41
